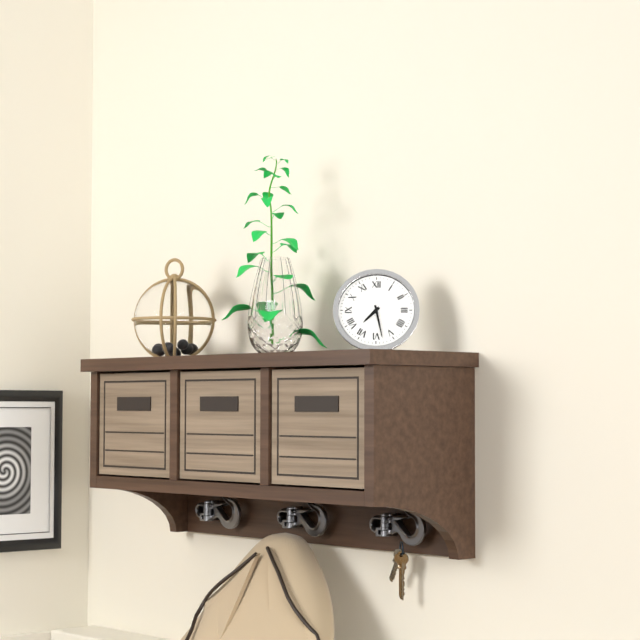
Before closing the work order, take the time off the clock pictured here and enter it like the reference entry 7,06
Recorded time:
7,28
